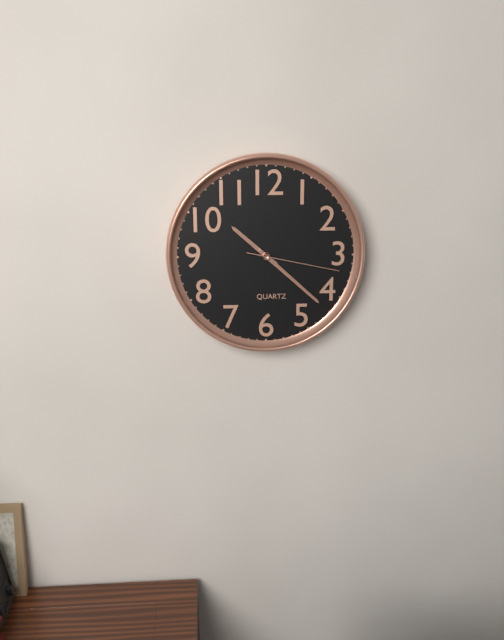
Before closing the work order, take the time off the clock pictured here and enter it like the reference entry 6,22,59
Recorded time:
10,22,17
